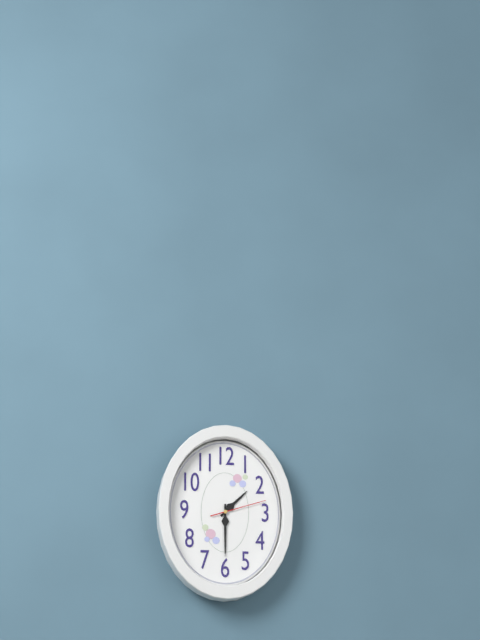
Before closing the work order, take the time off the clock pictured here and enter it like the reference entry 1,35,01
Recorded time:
1,30,12
